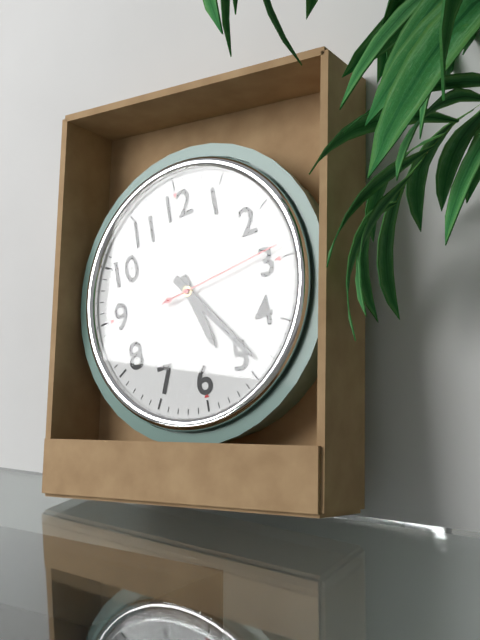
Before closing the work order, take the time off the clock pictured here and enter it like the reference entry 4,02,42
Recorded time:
5,24,14
